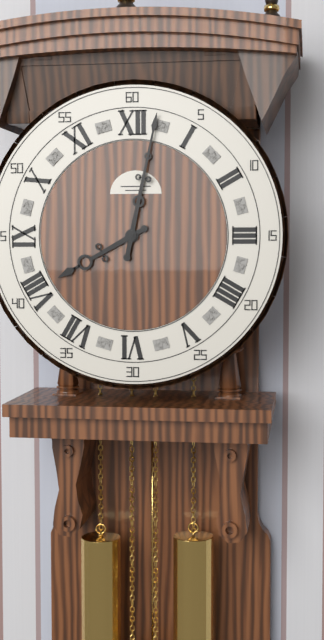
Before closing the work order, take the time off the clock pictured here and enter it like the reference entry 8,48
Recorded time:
8,02
